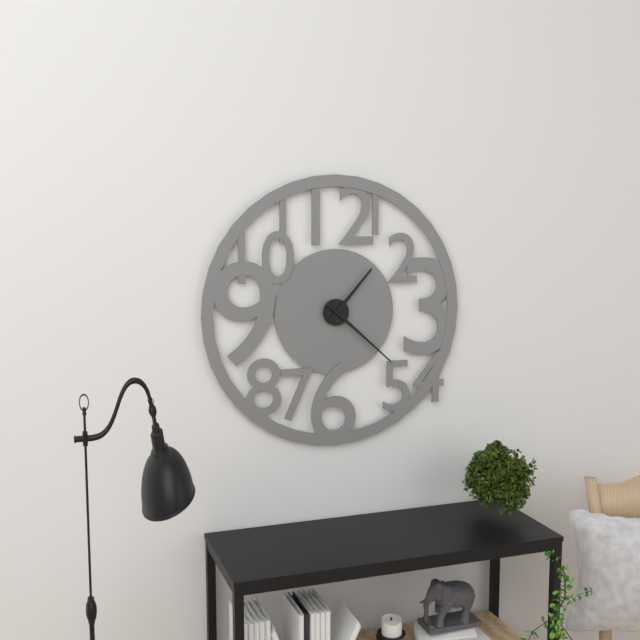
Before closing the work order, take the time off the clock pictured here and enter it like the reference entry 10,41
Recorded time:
1,22
